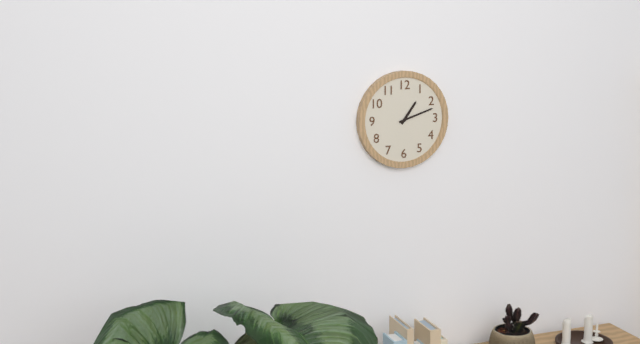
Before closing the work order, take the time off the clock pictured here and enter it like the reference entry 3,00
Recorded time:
1,12
